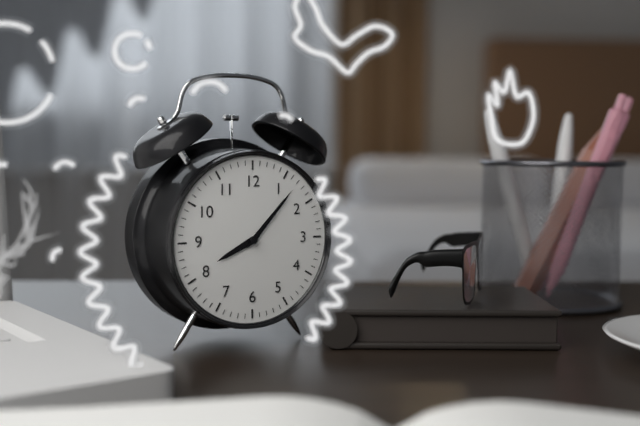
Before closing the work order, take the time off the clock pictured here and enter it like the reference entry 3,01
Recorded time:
8,07
